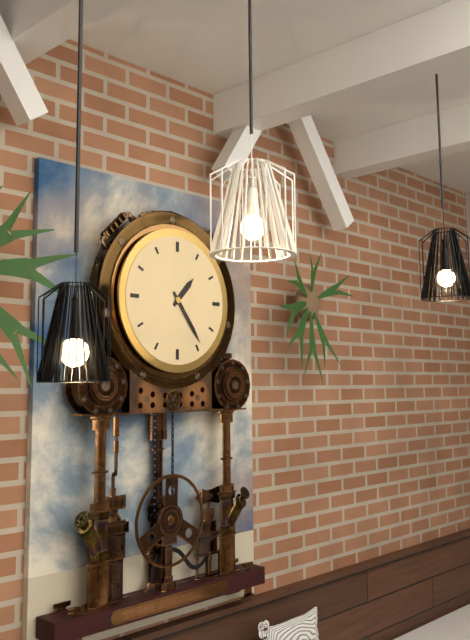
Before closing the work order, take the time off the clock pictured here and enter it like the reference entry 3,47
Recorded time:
1,24
